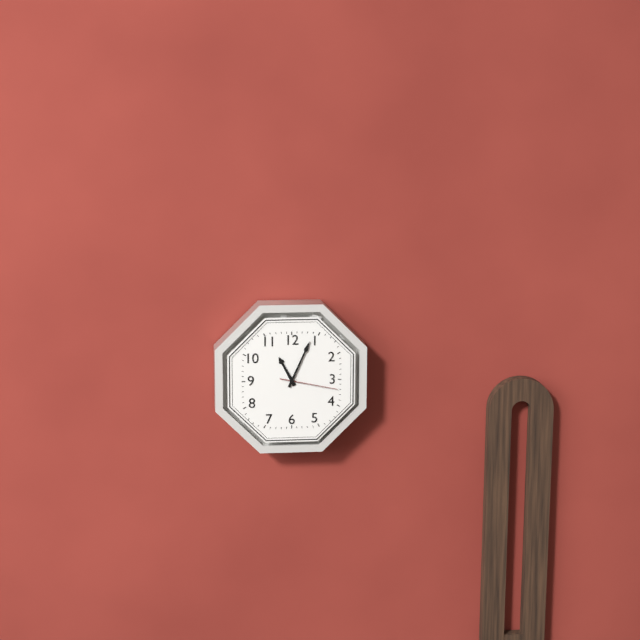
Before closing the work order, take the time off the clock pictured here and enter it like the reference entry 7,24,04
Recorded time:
11,04,17
